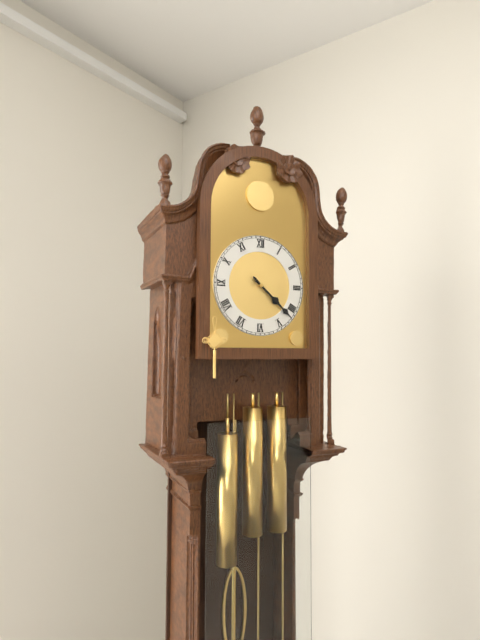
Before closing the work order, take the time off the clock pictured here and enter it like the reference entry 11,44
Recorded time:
4,22
